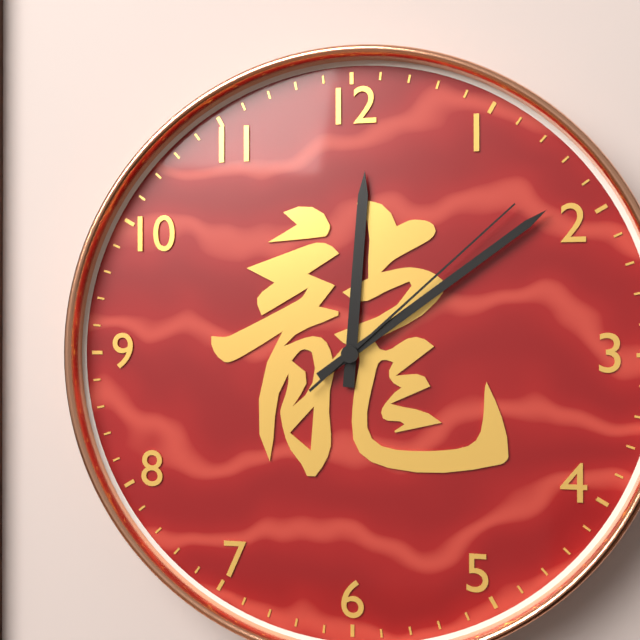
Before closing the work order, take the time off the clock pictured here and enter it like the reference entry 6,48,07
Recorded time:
12,09,08
